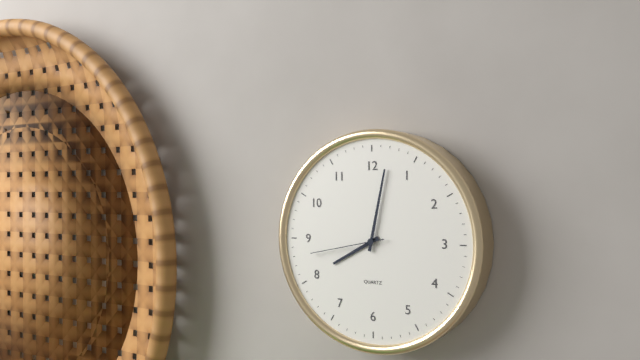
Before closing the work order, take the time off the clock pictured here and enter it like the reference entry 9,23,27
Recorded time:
8,02,43
